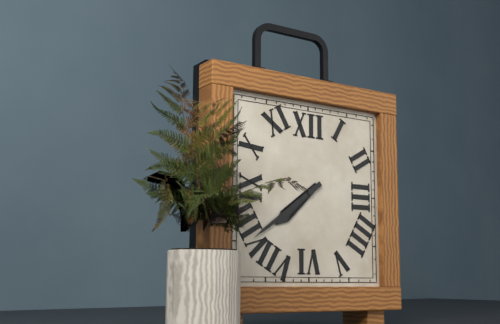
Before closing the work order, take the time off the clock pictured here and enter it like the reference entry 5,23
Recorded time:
7,39
